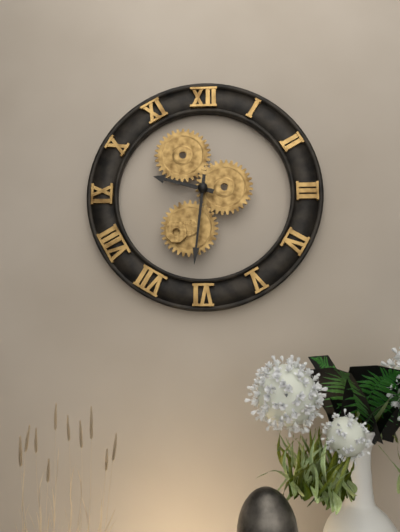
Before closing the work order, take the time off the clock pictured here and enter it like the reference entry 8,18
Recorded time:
9,31
